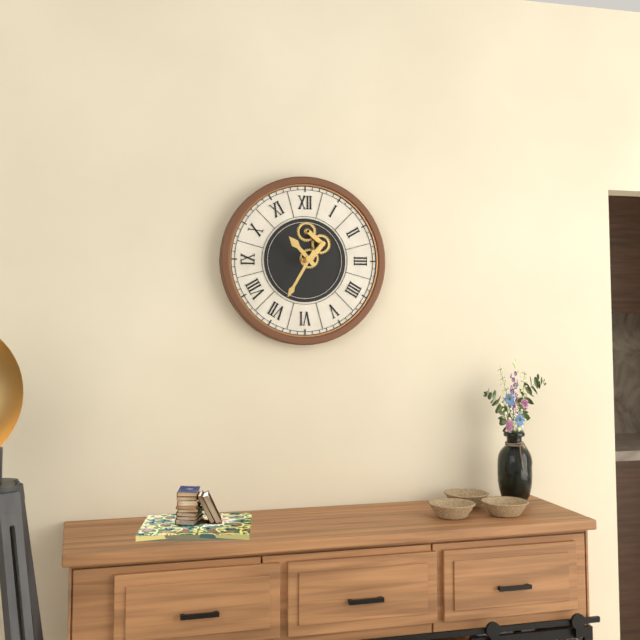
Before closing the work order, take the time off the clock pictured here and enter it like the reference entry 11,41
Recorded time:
10,35
